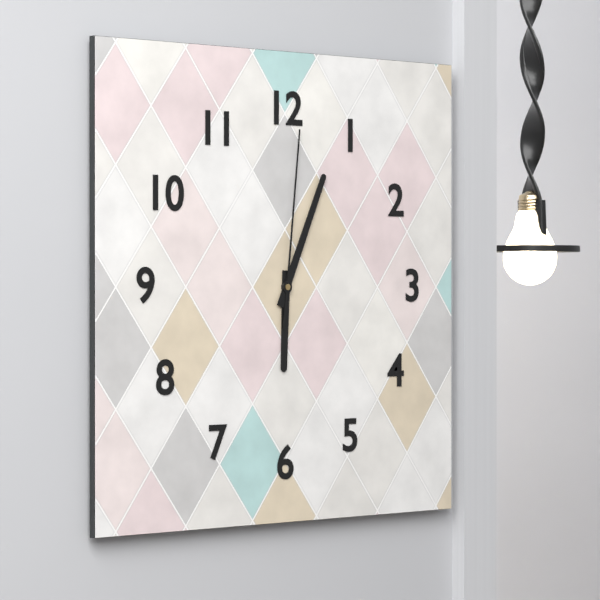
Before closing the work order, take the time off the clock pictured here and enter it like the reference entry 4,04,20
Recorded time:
6,04,01
